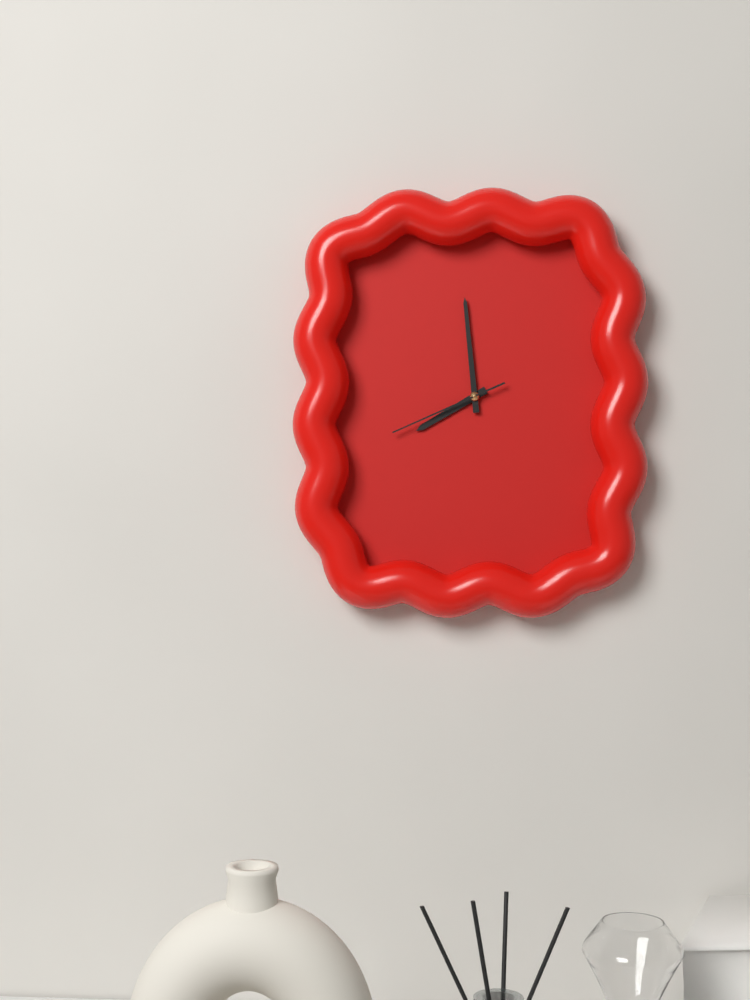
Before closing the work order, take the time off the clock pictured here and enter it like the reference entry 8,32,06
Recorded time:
7,59,41
